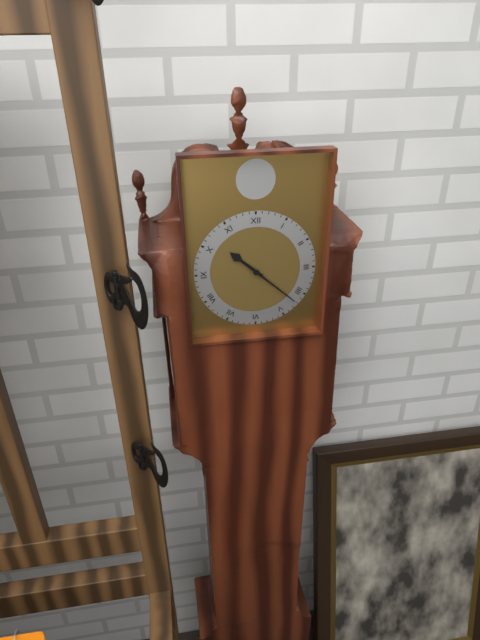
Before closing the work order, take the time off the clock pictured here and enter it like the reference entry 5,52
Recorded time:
10,22
